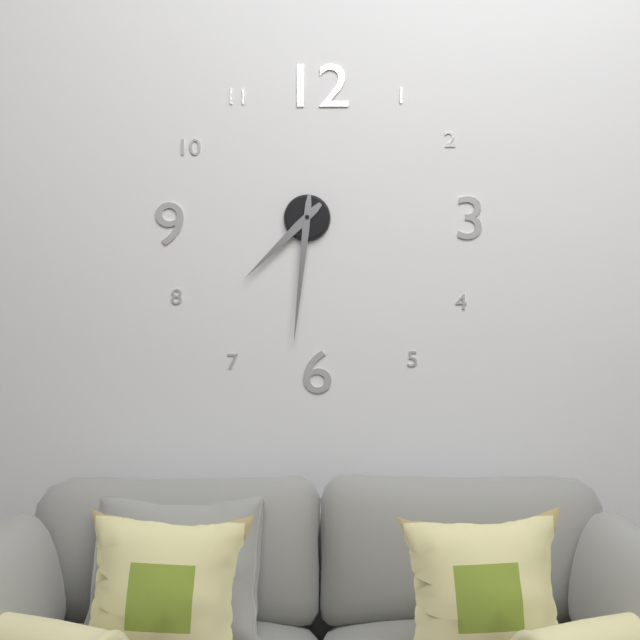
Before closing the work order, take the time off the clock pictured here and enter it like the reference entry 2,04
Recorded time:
7,31
